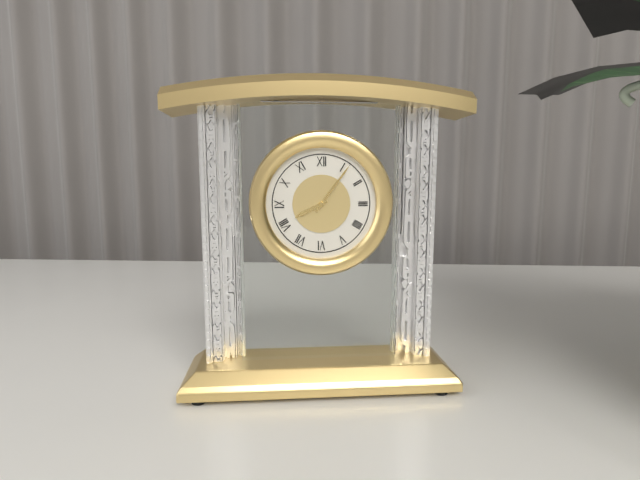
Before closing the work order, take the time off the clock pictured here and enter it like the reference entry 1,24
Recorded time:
8,06
